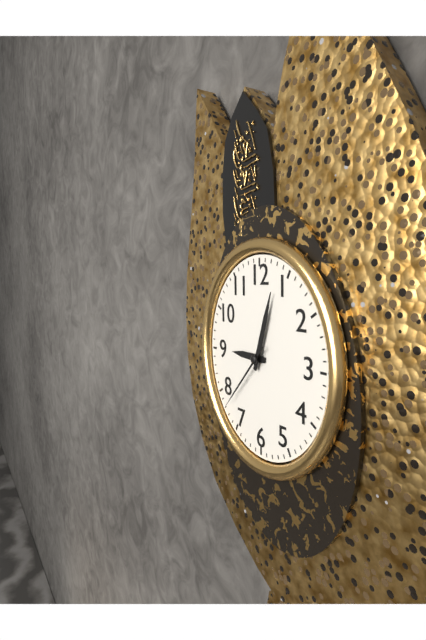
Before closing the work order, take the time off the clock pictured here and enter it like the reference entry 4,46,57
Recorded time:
9,03,37
